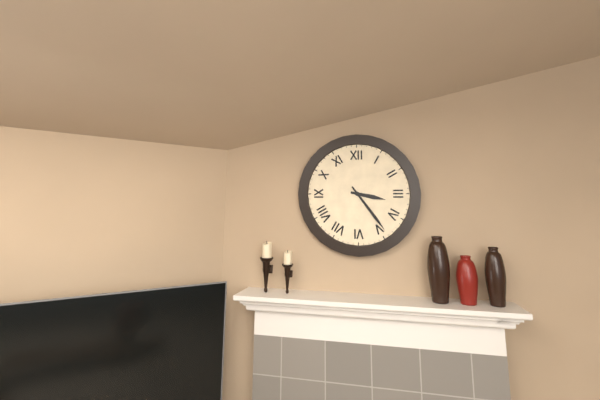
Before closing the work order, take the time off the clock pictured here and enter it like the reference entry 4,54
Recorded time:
3,24
